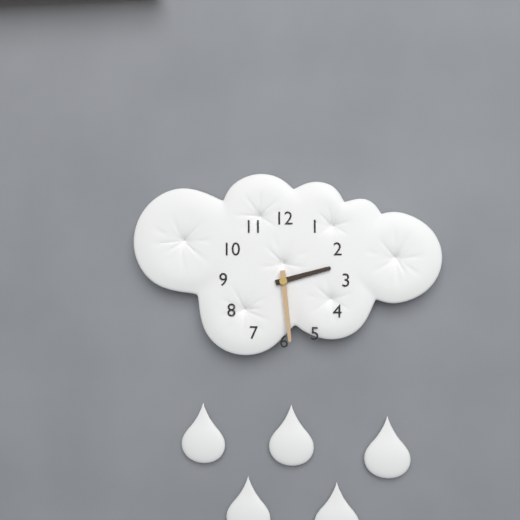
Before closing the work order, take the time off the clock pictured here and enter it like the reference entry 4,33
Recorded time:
2,29
